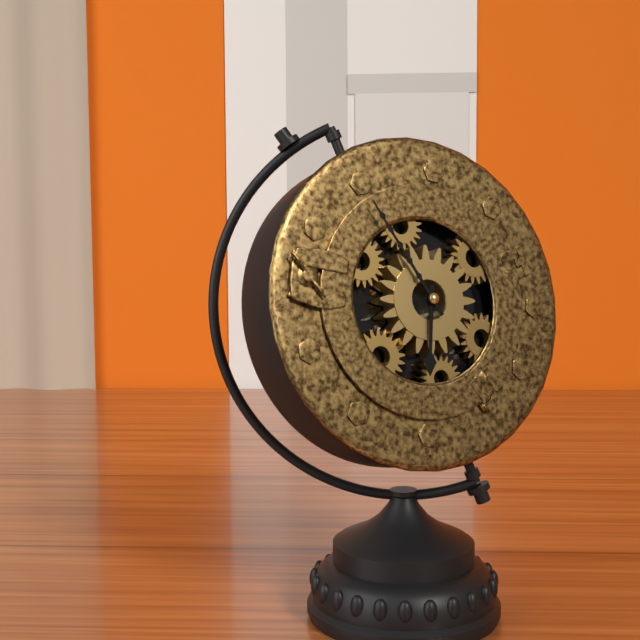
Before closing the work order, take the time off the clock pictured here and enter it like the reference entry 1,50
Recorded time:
5,53
